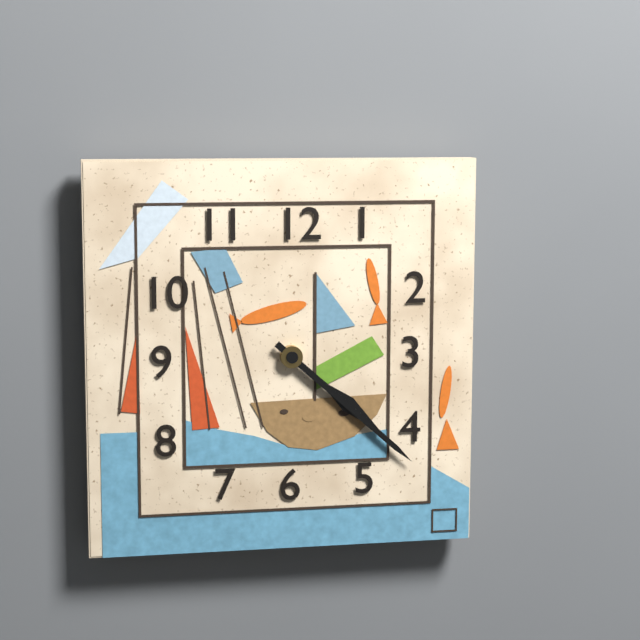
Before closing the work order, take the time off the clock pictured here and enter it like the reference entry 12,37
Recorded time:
4,22
